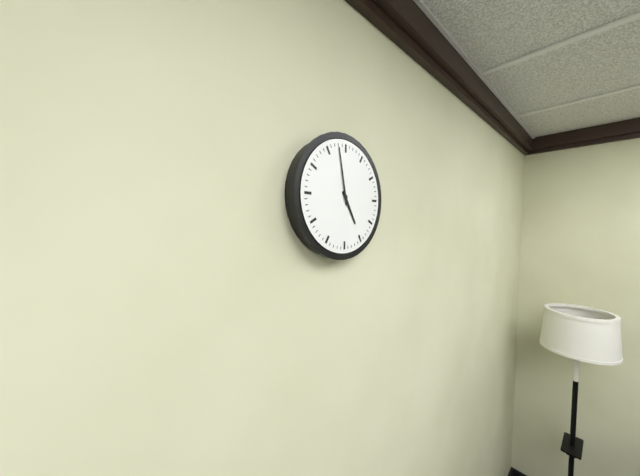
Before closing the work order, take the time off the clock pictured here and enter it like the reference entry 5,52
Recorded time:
4,58
